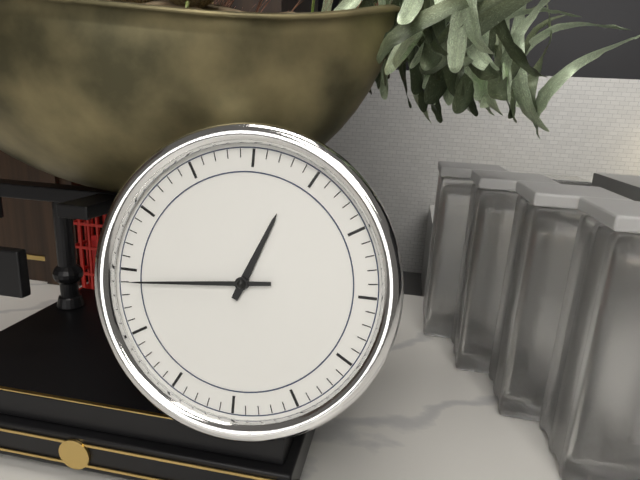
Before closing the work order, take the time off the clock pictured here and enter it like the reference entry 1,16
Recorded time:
12,44
